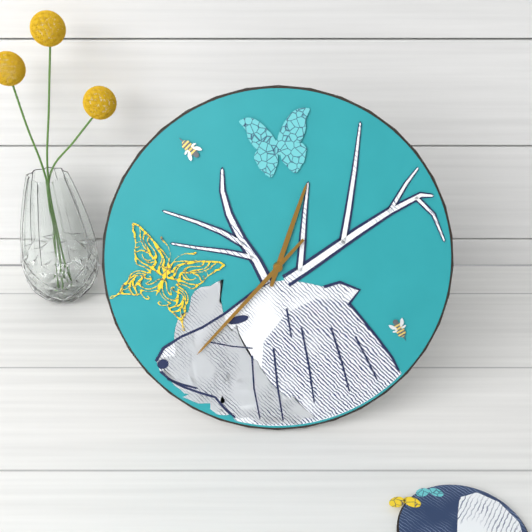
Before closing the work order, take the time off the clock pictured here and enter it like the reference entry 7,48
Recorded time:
12,37
